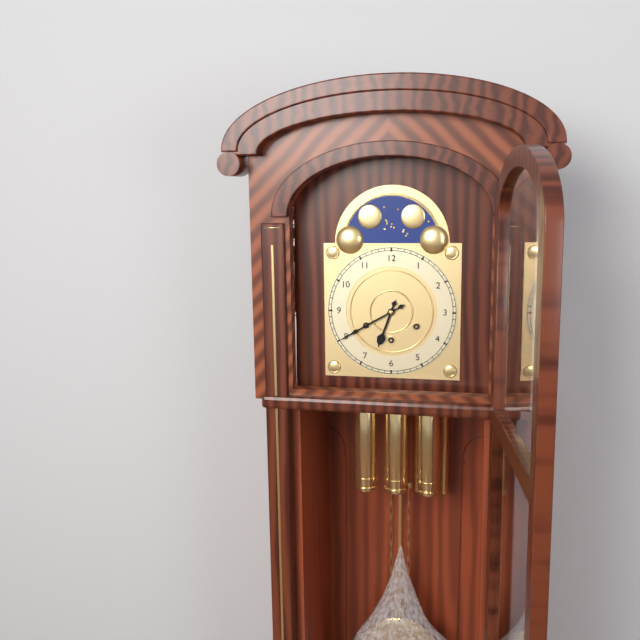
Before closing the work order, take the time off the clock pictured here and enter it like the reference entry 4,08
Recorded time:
6,40
